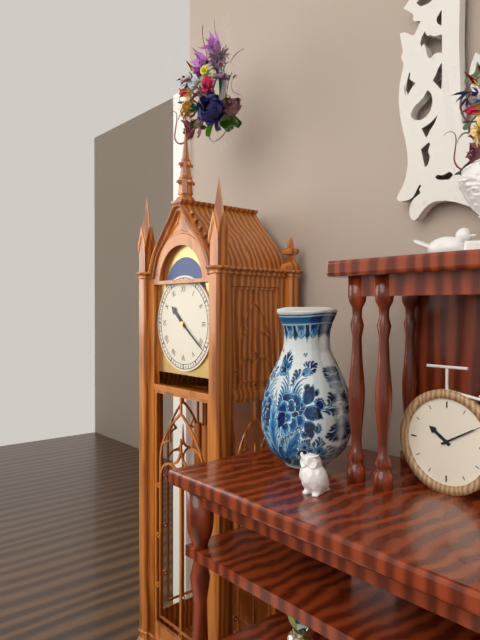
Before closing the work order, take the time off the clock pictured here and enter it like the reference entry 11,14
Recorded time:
10,21
